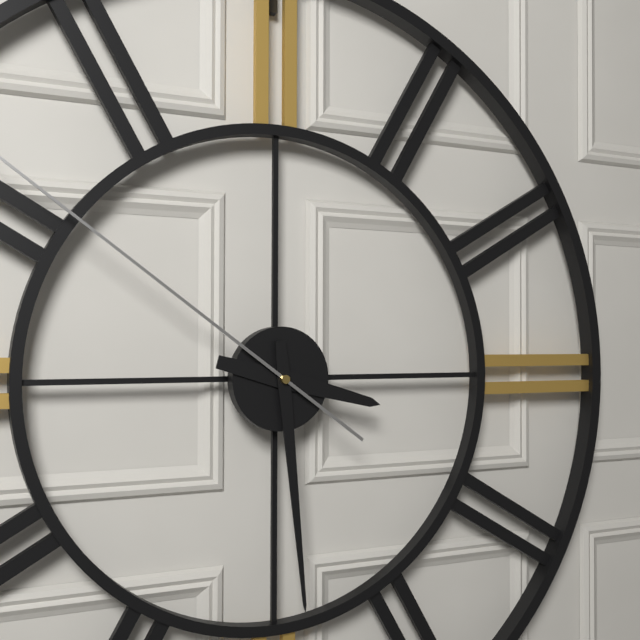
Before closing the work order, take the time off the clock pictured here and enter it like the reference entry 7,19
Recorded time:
3,29
